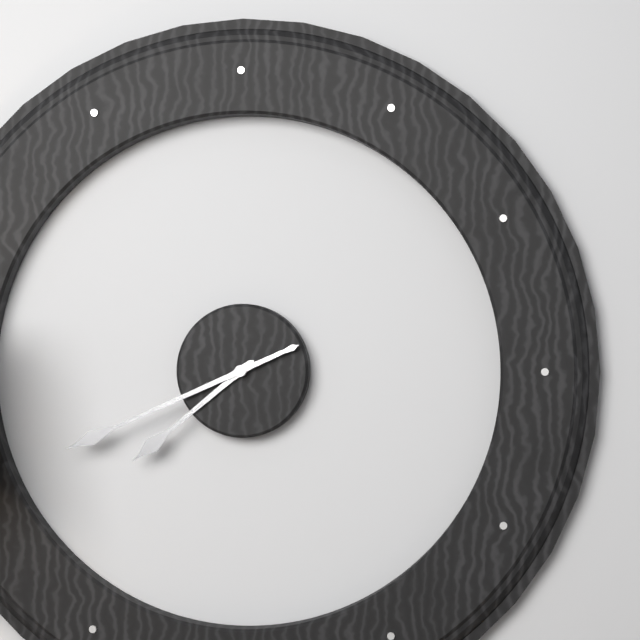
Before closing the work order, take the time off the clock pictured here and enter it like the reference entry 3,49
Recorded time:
7,41
